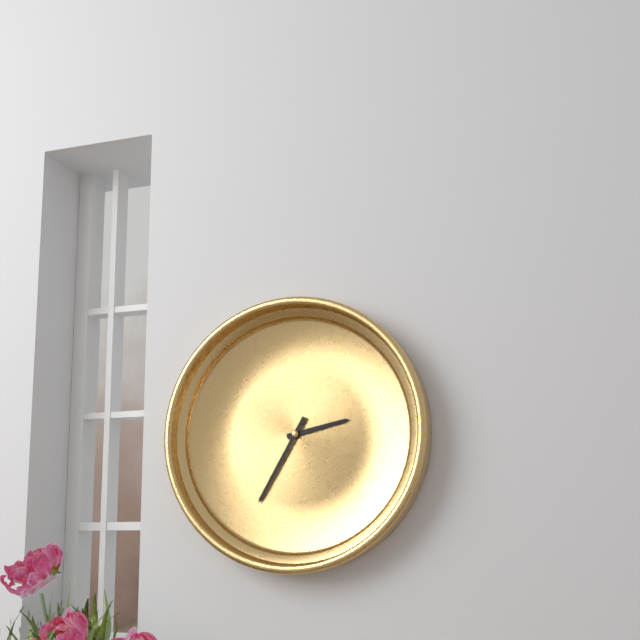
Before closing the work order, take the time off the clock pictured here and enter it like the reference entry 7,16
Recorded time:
2,35
